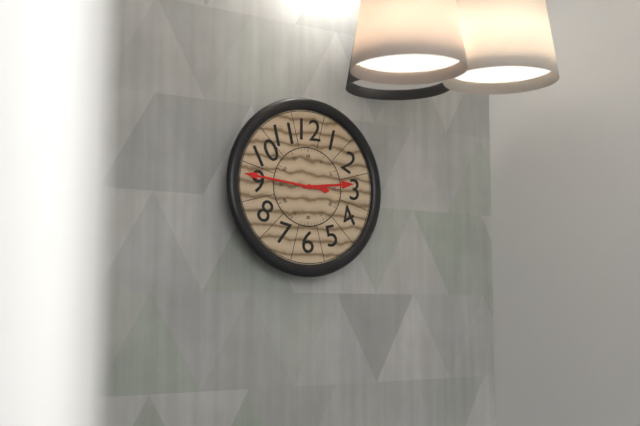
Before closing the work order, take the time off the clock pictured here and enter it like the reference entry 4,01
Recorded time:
2,46
